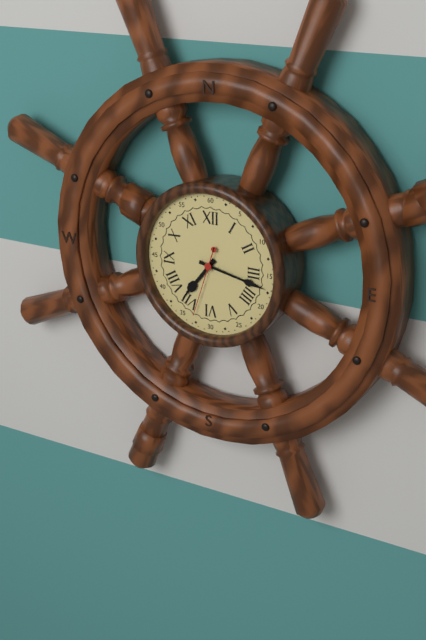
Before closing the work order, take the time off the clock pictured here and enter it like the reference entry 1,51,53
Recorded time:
7,17,33
